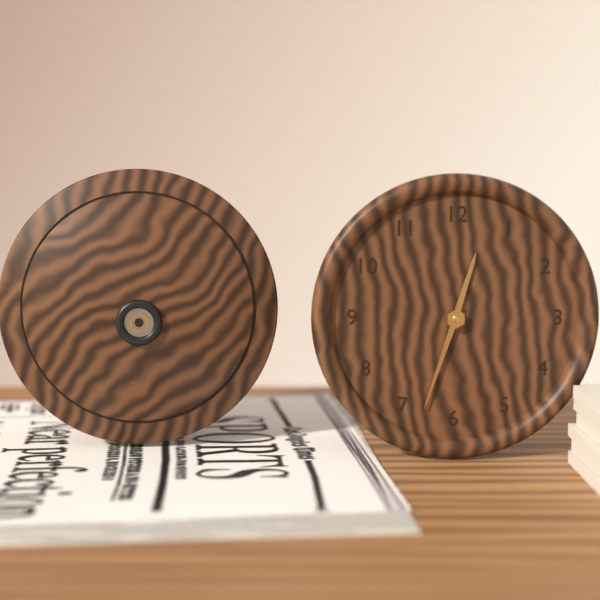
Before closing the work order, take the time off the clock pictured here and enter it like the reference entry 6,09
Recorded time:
12,33
